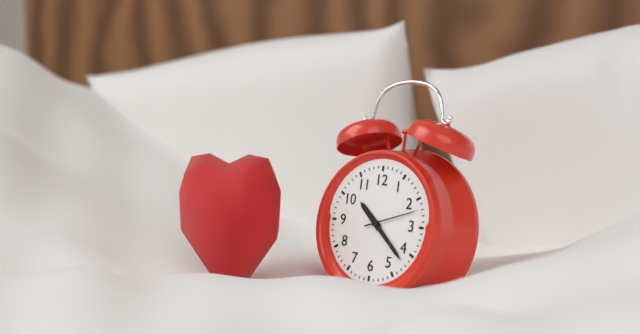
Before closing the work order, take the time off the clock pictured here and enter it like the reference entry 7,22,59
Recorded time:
10,22,12
